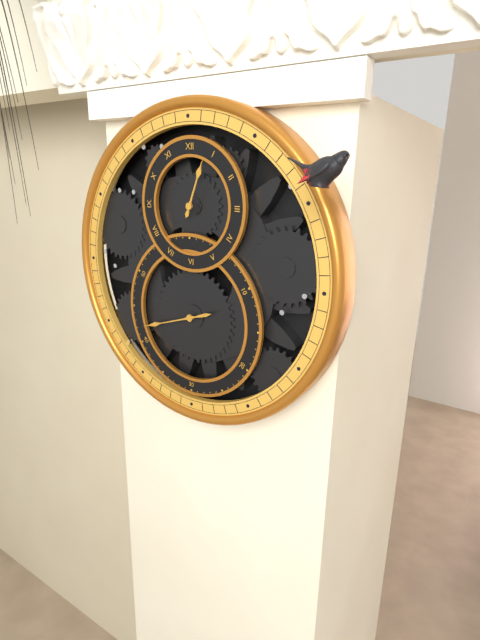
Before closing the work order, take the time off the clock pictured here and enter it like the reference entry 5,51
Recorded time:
12,42
